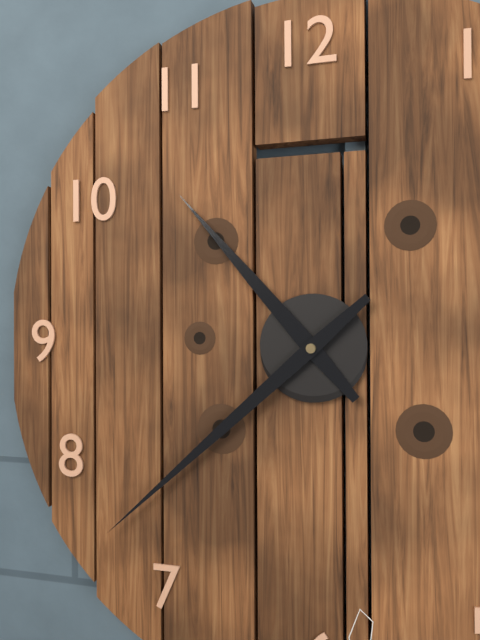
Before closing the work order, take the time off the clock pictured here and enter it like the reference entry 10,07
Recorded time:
10,38
